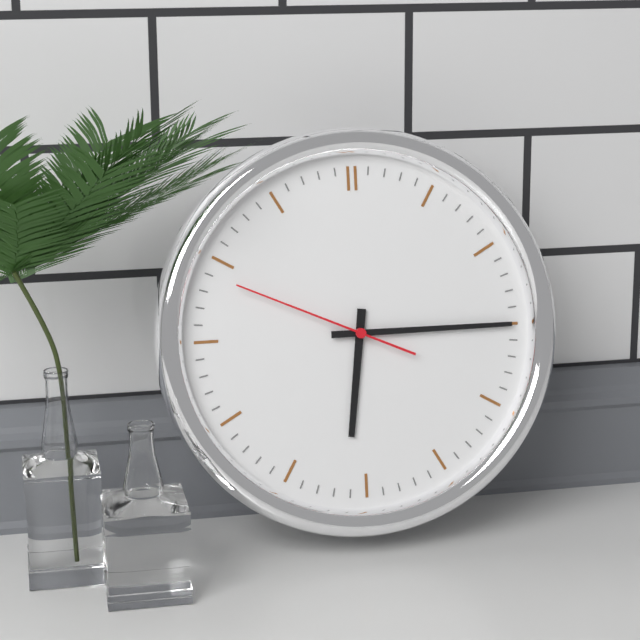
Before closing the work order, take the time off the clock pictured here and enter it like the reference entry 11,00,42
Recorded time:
6,15,49
